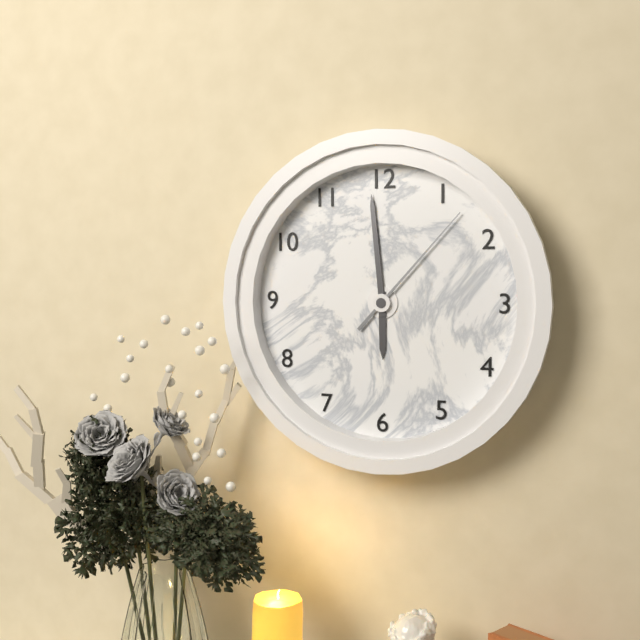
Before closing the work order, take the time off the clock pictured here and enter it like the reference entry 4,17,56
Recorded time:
5,59,07
